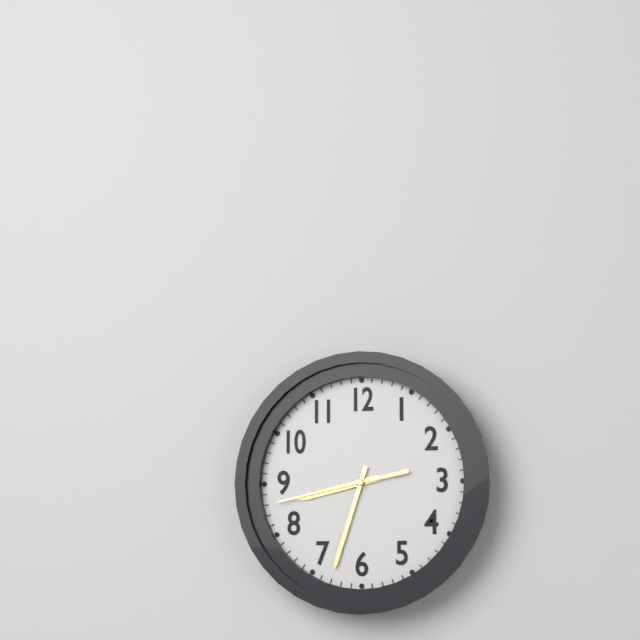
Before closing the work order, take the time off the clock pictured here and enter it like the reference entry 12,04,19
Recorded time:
8,33,43
